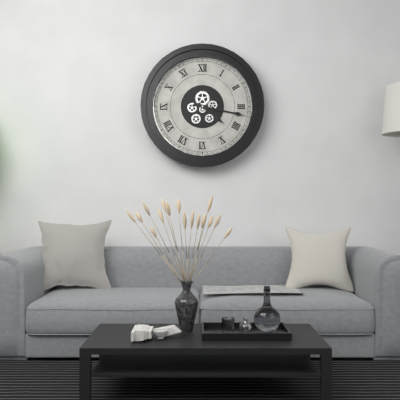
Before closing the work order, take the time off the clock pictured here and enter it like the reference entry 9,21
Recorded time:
4,17
